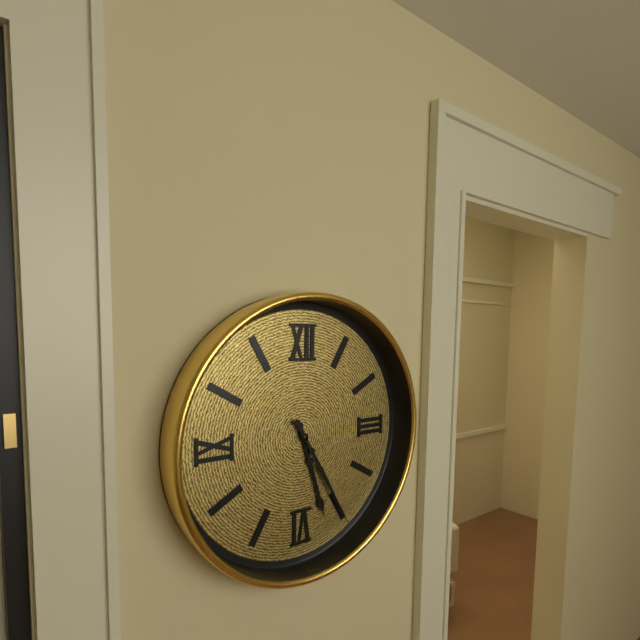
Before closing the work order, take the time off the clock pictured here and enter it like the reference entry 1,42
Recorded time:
5,25
